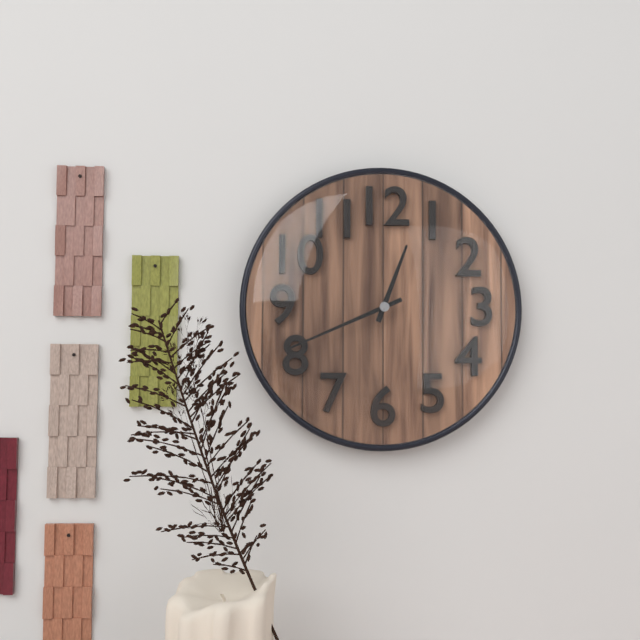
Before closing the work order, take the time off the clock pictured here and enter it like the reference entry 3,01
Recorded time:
12,41
